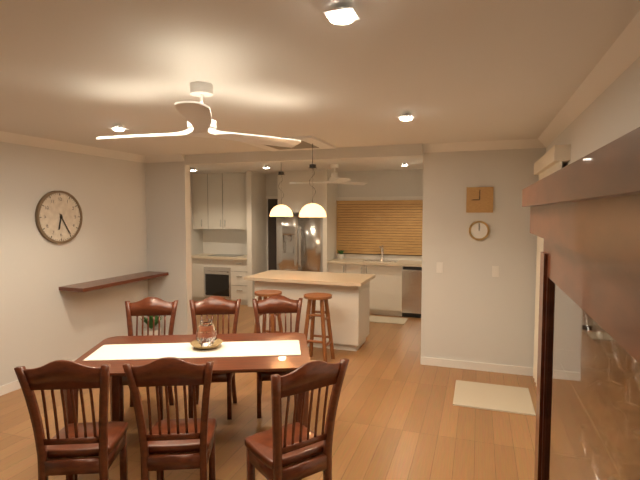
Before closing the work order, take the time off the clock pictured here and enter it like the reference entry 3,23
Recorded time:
6,25
